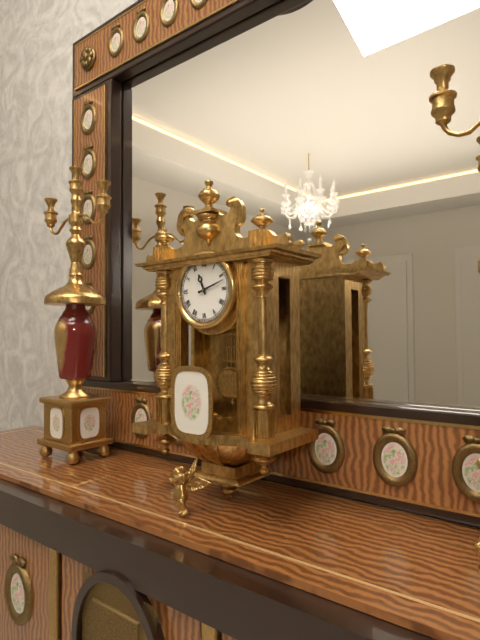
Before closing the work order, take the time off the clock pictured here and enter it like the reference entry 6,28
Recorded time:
11,12
